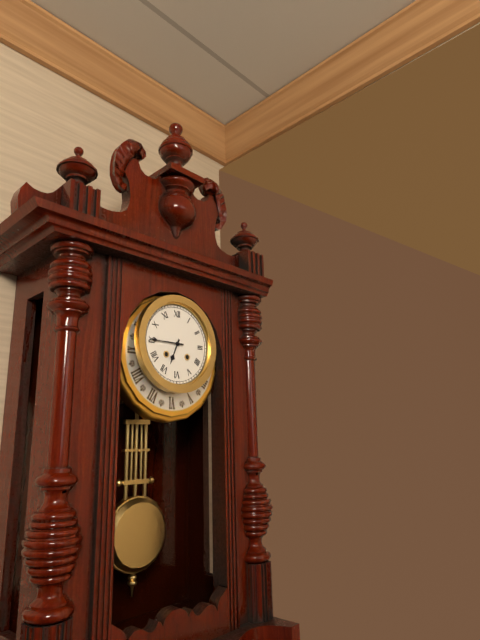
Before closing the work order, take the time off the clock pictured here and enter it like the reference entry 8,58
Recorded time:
6,45
